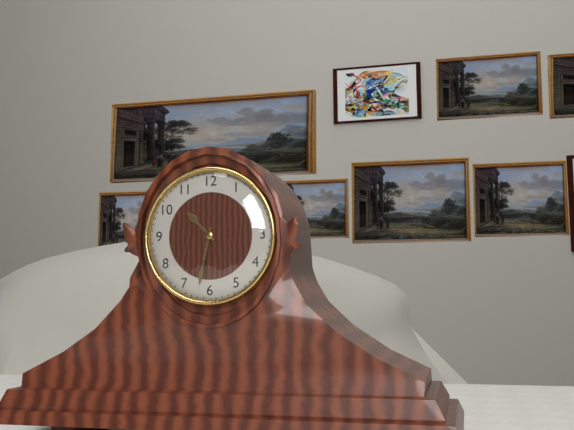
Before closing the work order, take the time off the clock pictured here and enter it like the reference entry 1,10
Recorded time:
10,32
